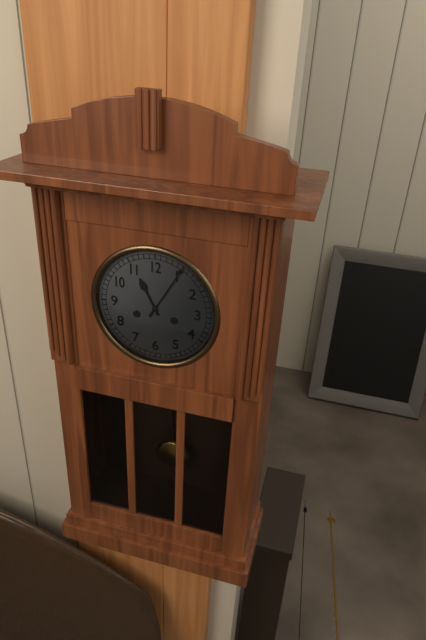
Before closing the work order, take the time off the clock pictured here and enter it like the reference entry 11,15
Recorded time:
11,05
